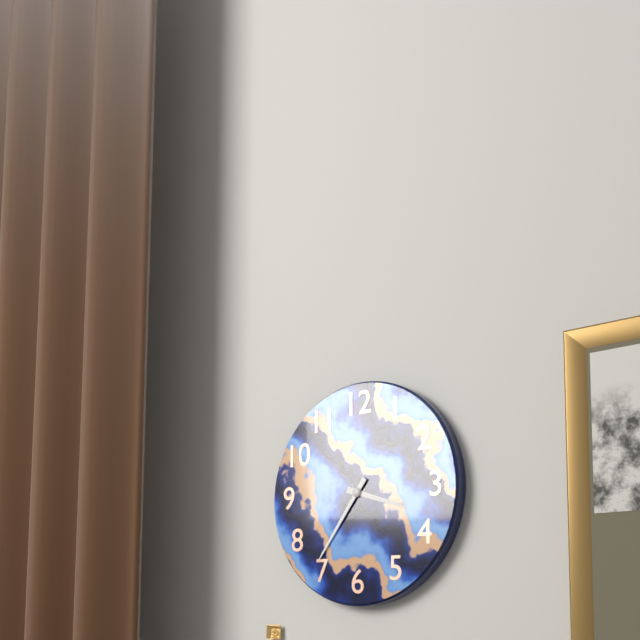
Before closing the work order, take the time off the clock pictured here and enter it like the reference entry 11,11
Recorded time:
3,36
